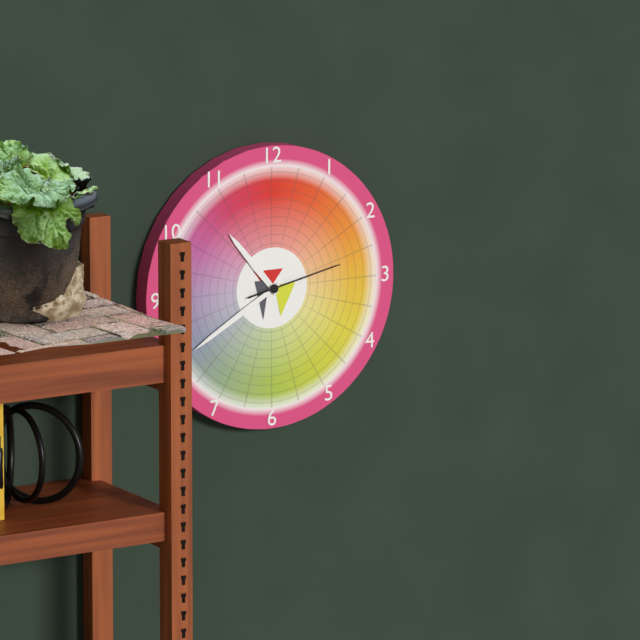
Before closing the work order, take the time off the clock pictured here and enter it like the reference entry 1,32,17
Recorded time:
10,40,13
